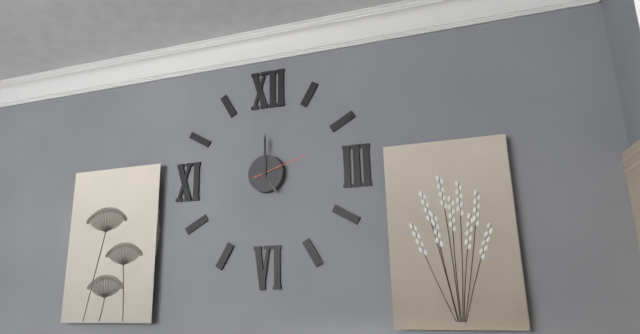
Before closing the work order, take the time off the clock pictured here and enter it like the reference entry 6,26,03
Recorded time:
5,00,12
